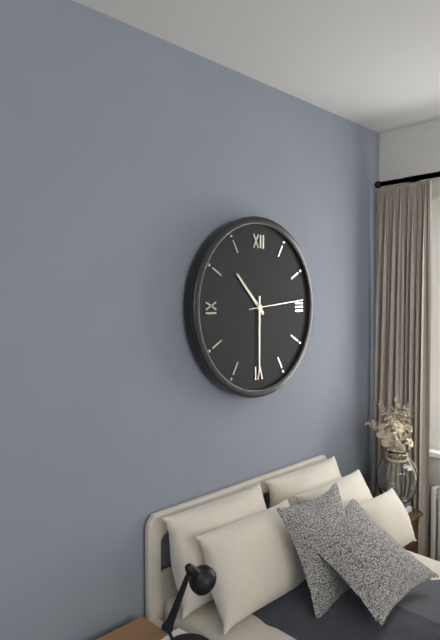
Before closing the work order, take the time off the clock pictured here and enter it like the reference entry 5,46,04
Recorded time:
10,30,14
